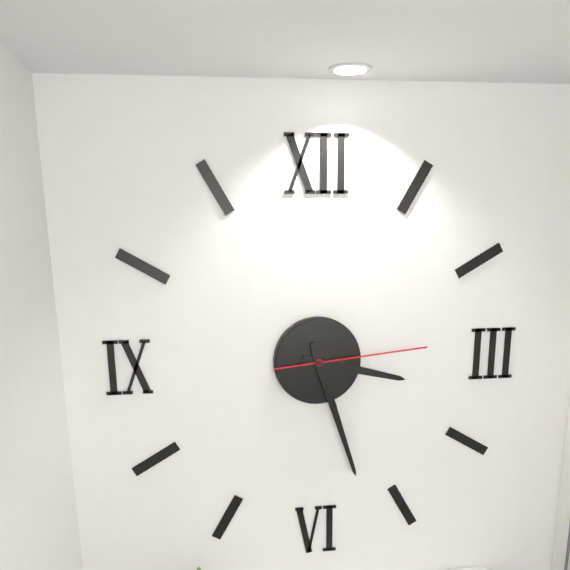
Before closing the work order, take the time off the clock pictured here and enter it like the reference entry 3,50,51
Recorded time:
3,27,14
